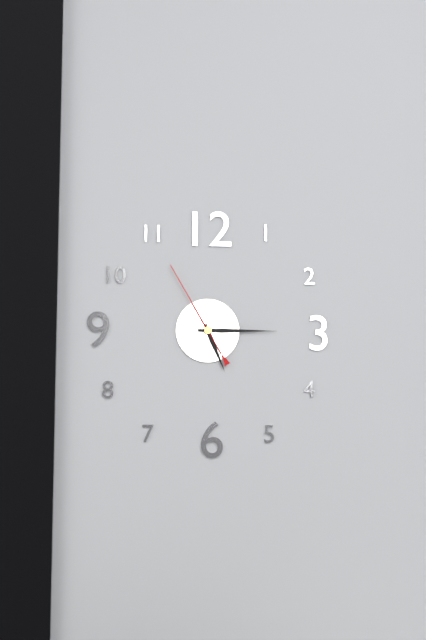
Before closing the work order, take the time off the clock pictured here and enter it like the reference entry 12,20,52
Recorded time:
5,15,55
